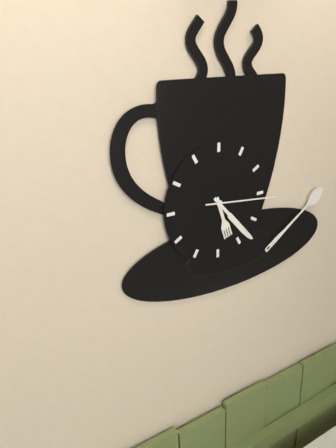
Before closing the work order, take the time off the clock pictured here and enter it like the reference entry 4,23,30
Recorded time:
5,23,16
